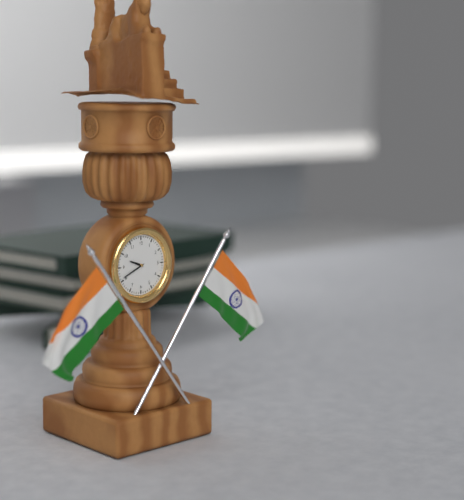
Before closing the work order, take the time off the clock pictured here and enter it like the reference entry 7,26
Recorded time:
9,41
